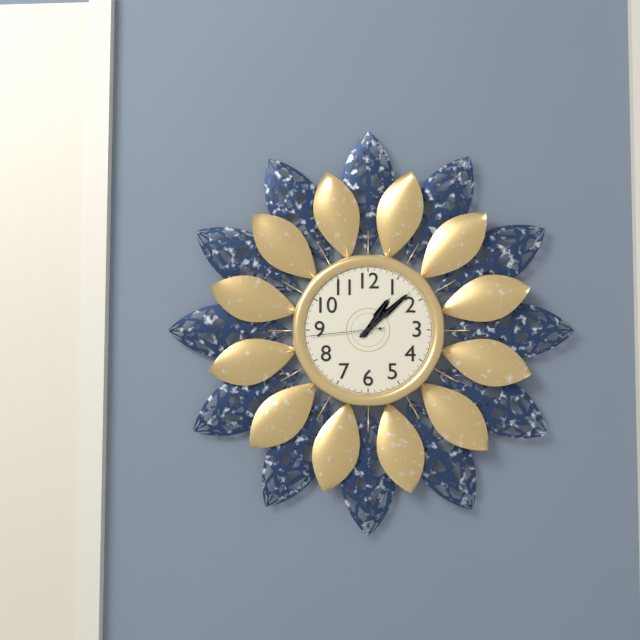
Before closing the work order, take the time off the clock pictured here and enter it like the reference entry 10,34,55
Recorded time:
1,08,44
